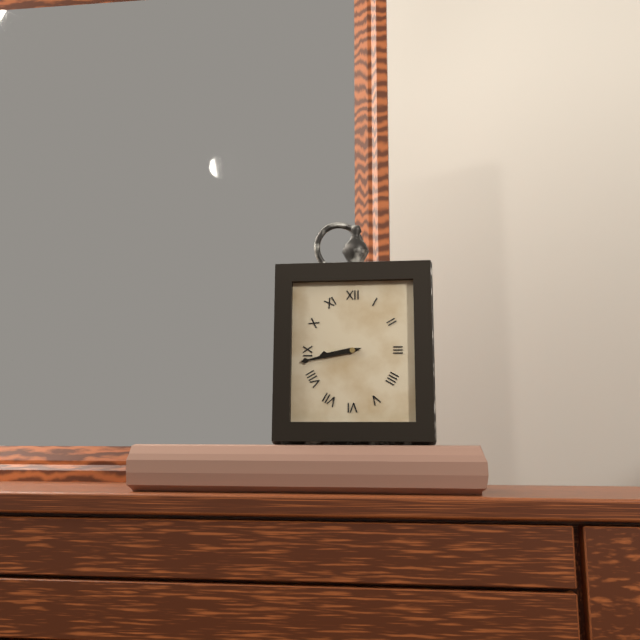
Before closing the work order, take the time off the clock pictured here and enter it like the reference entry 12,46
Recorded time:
8,43
